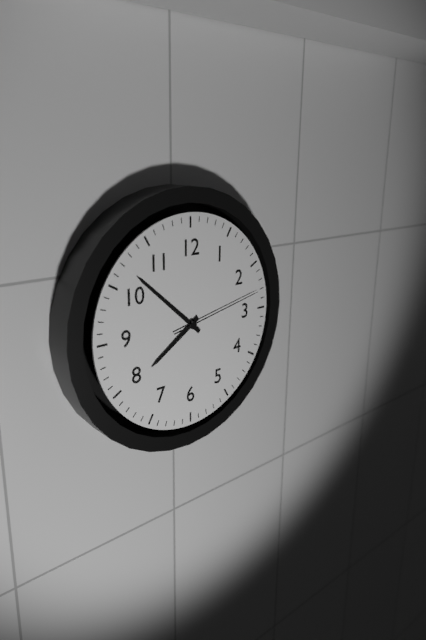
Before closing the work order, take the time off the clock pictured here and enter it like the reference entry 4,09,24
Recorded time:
7,52,13
